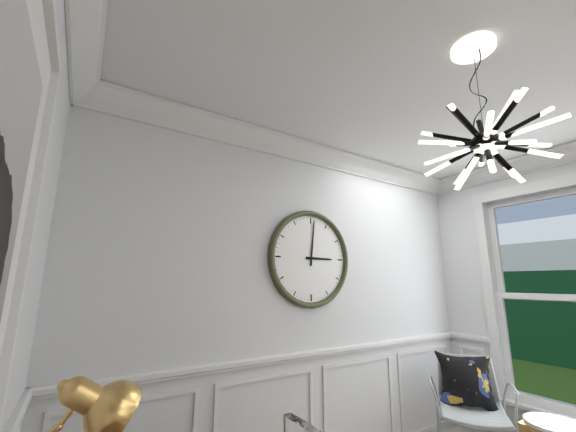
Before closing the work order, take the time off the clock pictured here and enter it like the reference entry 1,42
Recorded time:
3,01
